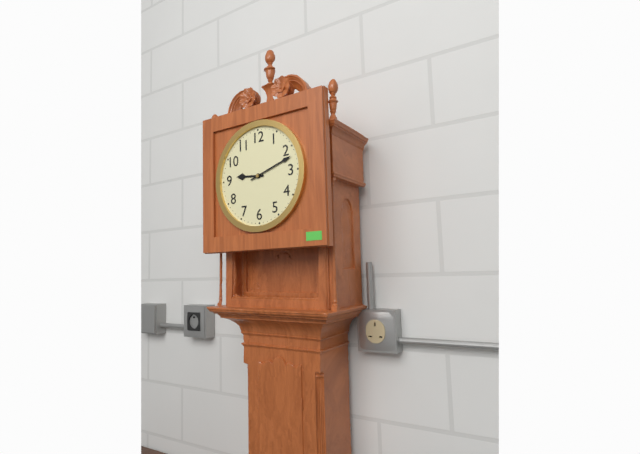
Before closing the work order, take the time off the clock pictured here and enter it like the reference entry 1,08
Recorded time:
9,12
